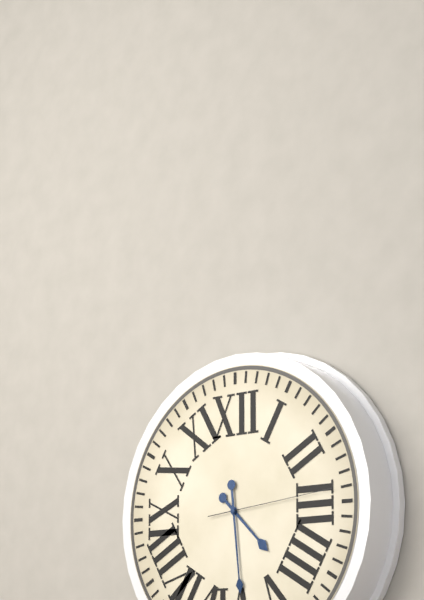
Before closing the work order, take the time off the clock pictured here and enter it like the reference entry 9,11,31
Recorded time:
4,29,14
